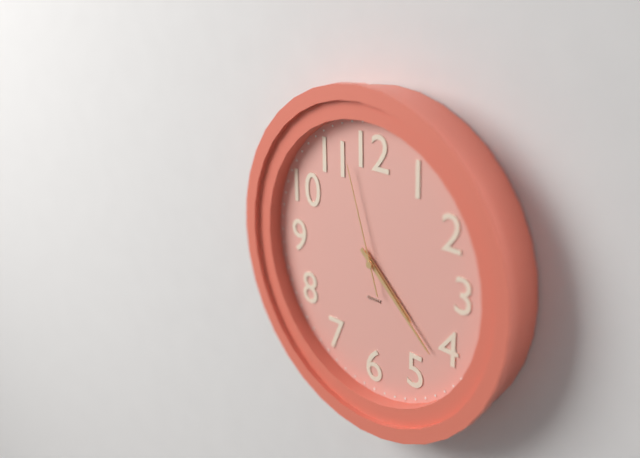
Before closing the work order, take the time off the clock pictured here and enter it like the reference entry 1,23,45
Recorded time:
4,22,57
